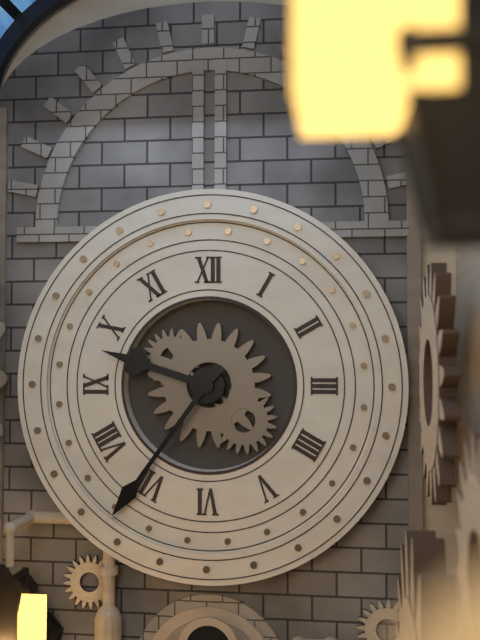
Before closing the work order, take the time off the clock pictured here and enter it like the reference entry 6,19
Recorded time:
9,36
